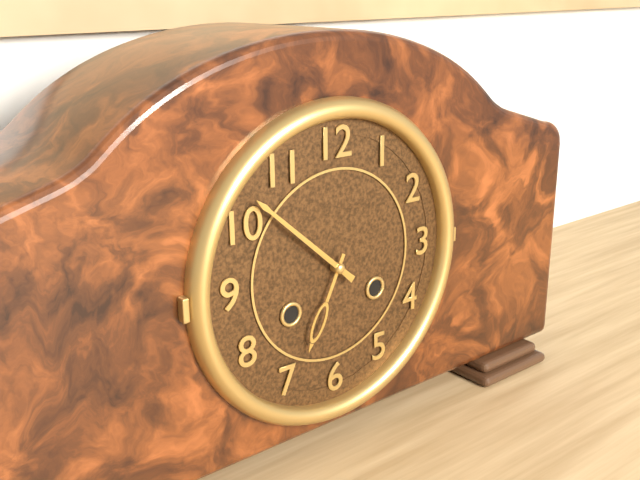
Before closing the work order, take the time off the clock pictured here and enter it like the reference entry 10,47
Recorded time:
6,52
